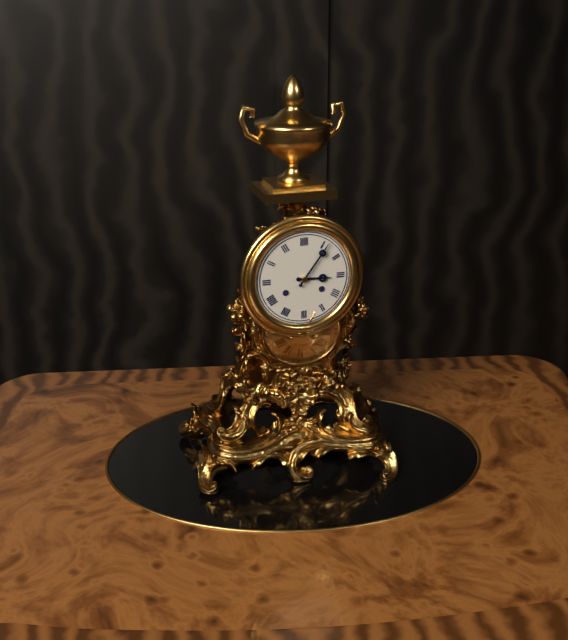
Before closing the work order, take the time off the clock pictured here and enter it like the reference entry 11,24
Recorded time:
3,06
